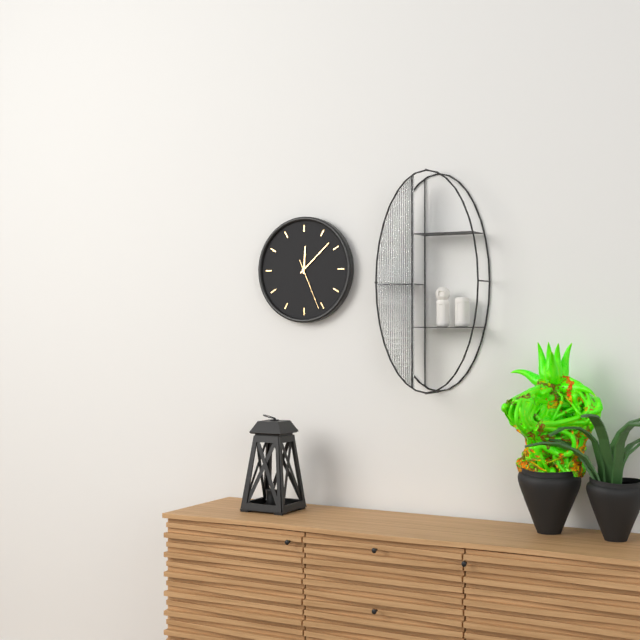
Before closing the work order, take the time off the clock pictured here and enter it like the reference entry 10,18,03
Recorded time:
12,08,26
